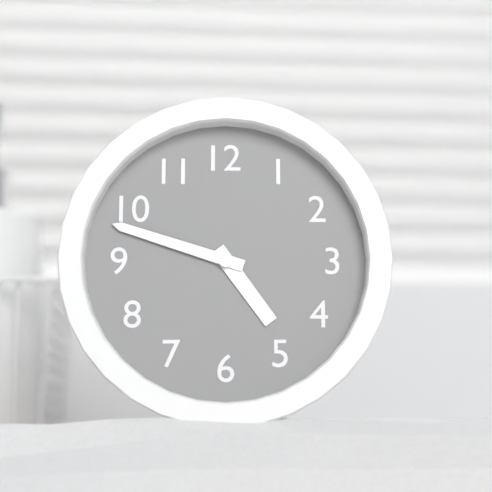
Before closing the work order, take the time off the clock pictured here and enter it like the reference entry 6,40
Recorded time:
4,48
